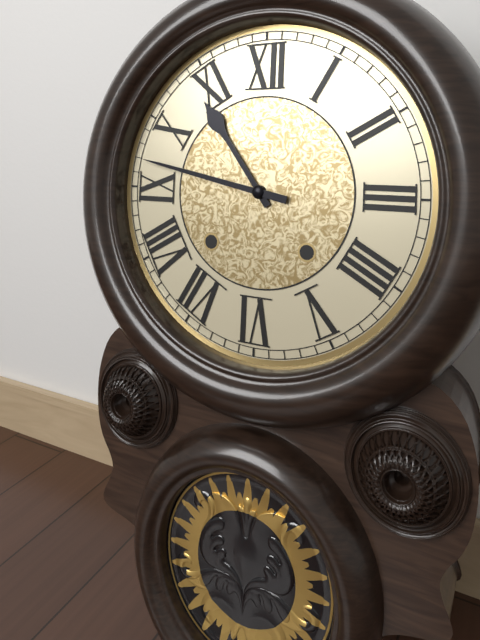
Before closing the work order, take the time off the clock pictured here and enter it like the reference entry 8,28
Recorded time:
10,47
